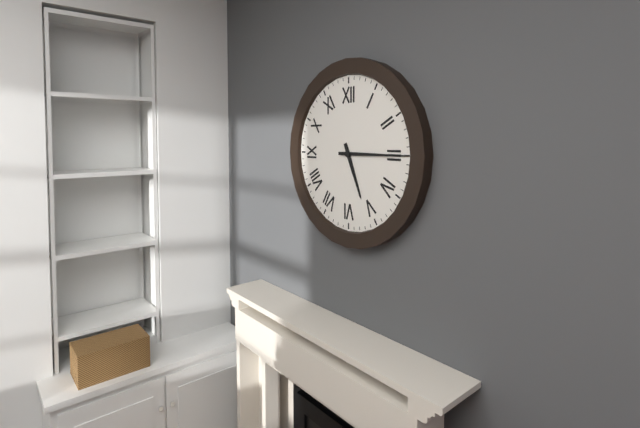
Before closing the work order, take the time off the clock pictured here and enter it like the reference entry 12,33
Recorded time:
5,15
